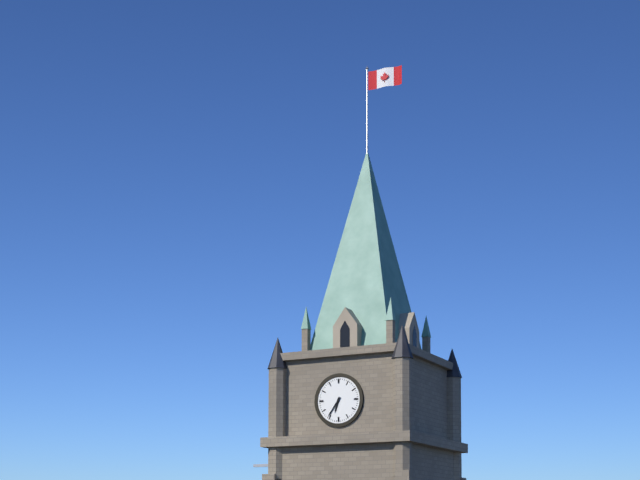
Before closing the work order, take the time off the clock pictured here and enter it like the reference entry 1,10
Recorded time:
6,36
